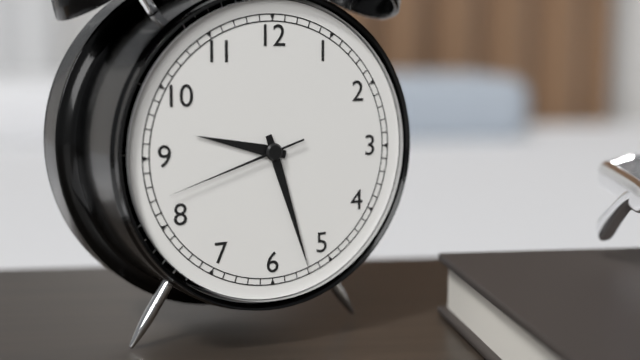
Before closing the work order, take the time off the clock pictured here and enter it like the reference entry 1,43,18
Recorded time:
9,27,42
